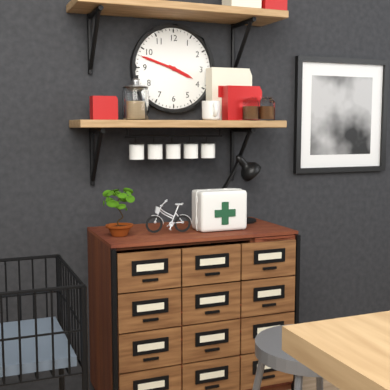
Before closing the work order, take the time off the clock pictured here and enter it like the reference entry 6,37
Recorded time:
3,48
